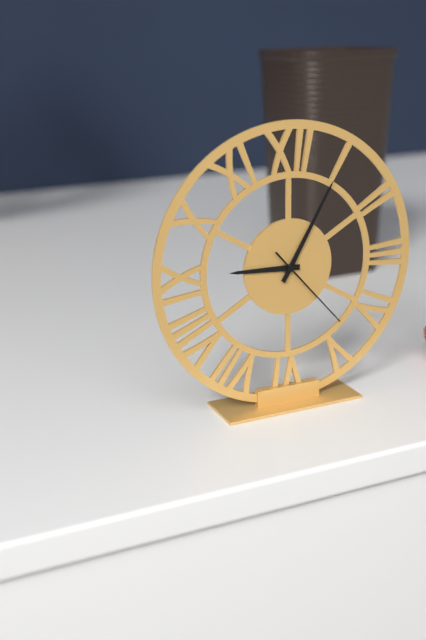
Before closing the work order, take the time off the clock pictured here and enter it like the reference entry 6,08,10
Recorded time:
9,05,23
